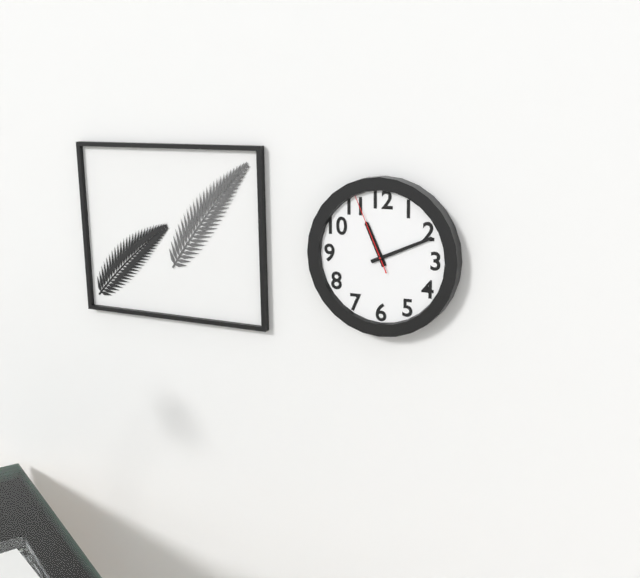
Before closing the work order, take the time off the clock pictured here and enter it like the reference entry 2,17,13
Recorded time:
11,11,56
